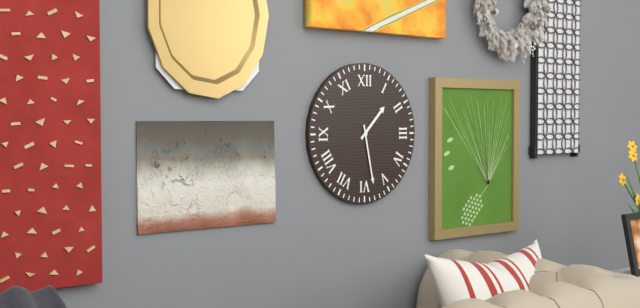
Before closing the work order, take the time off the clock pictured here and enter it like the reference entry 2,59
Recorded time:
1,28
